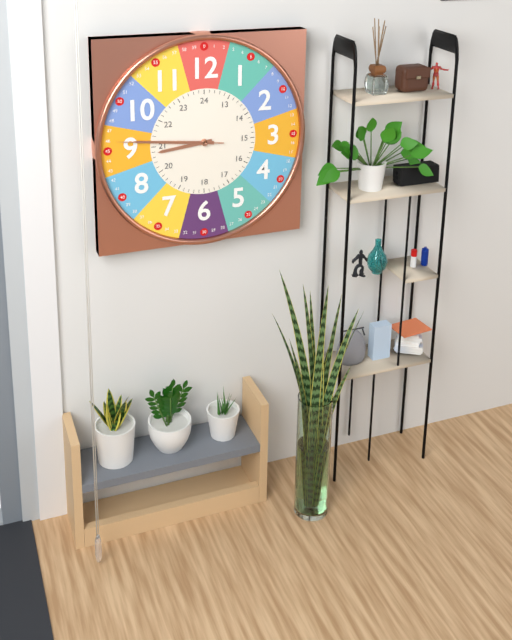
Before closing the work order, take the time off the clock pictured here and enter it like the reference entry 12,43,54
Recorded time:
8,46,46
